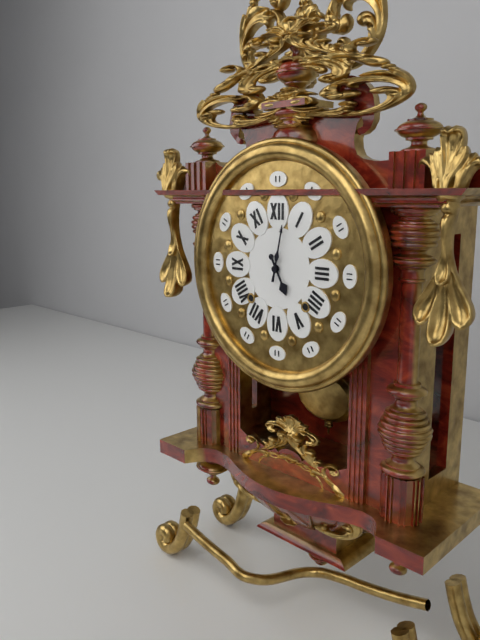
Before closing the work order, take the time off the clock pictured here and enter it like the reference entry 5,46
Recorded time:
5,02
